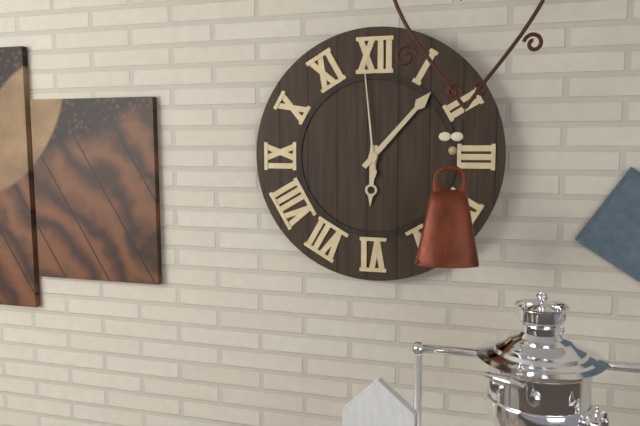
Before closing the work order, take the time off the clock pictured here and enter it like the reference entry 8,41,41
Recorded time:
6,07,59
